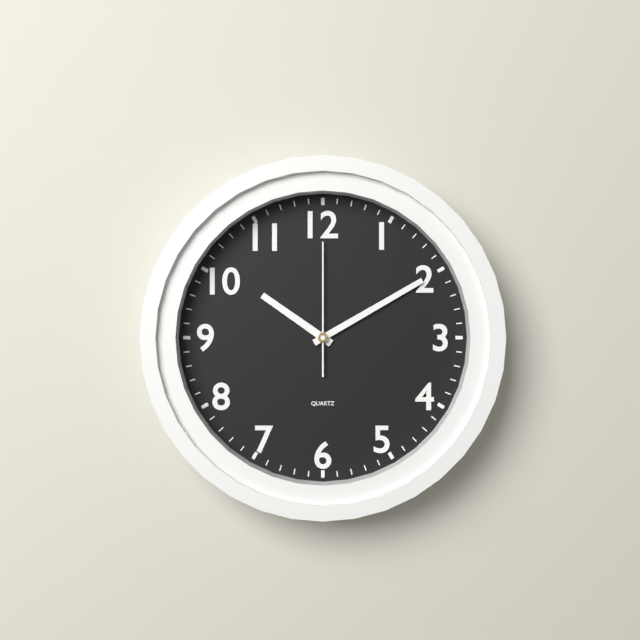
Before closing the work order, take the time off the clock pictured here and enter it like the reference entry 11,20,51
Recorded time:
10,10,00
